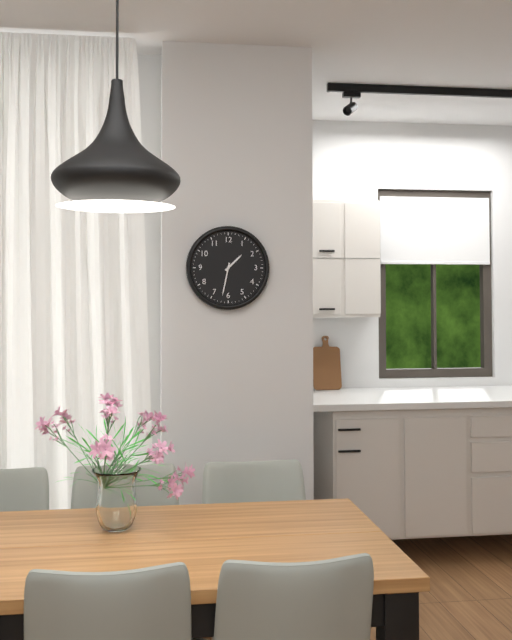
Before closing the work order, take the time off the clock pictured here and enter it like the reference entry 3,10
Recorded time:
1,32
